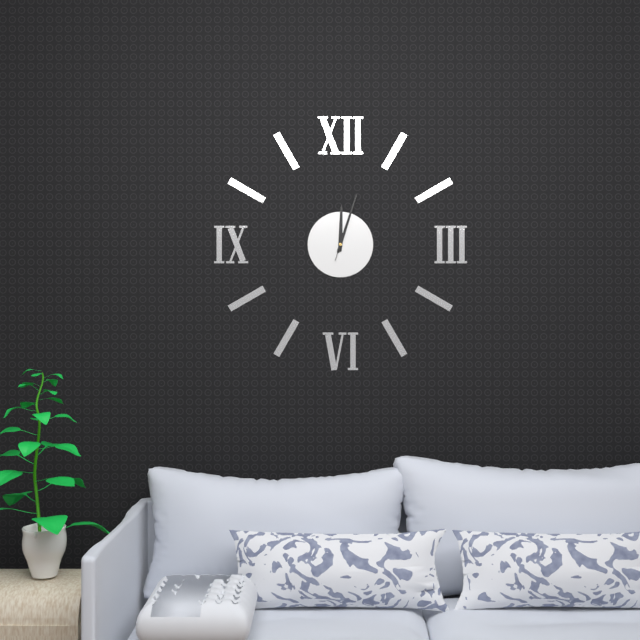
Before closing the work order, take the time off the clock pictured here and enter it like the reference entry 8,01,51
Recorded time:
12,03,03
